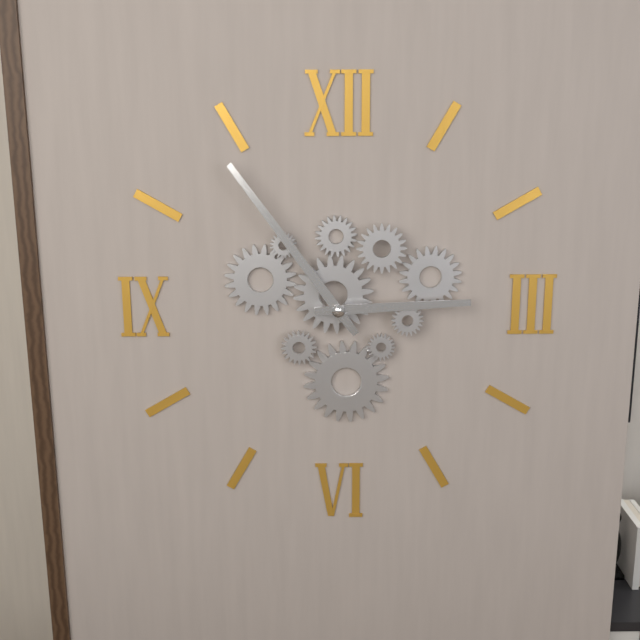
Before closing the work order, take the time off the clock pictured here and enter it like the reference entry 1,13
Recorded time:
2,54
